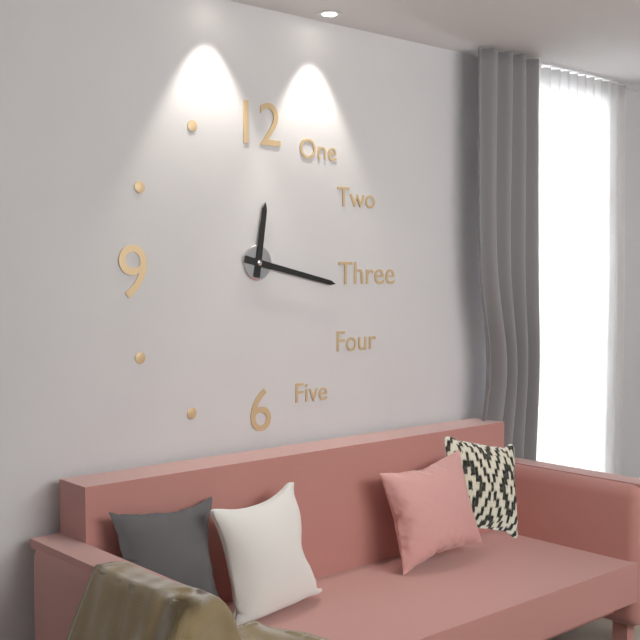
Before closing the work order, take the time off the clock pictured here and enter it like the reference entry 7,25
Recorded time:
12,17
